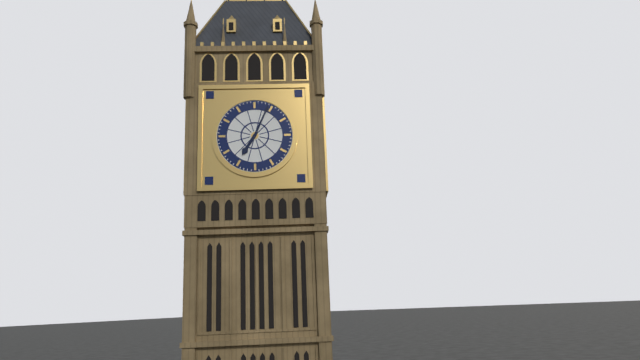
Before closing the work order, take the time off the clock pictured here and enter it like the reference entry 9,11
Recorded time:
7,04
